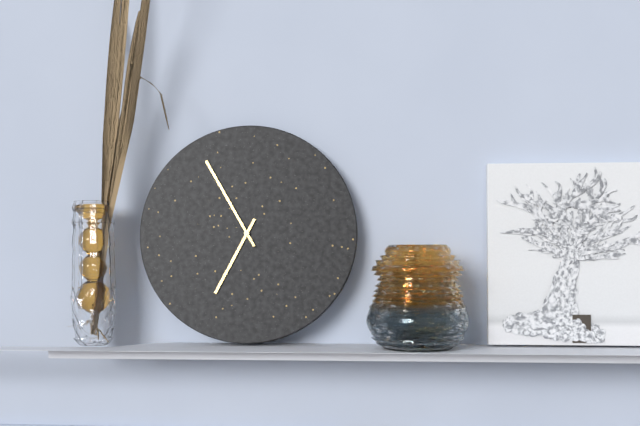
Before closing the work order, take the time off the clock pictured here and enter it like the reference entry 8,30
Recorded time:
6,55
